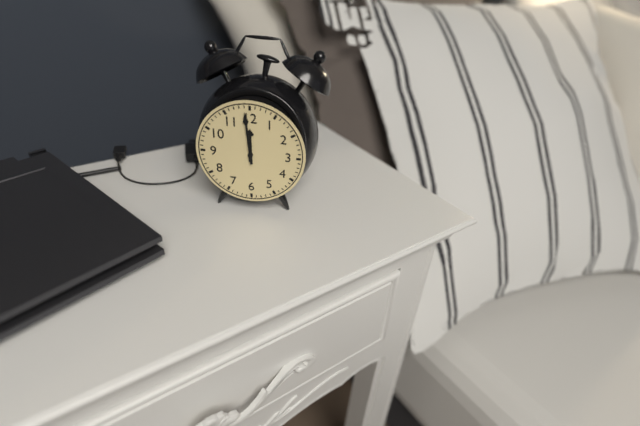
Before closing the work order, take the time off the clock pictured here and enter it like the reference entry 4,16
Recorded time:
11,59
